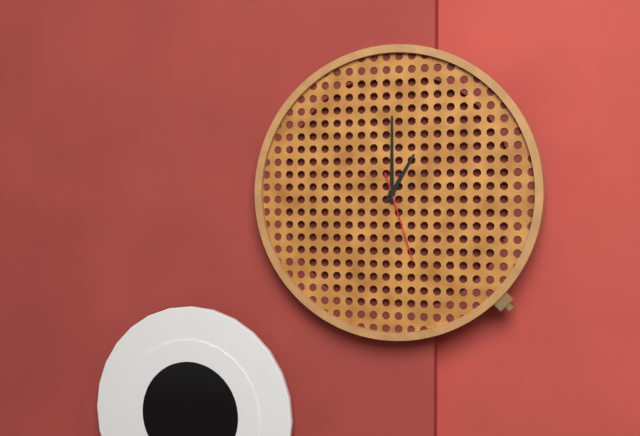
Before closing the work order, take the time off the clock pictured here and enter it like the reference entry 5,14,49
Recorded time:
1,00,27
